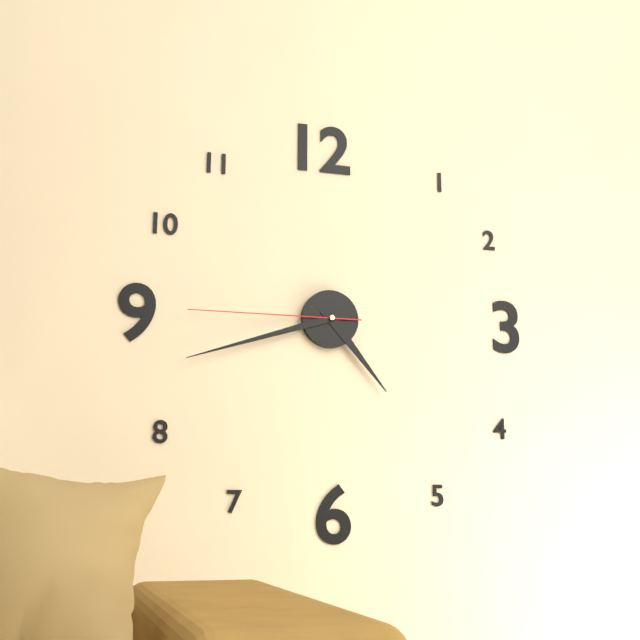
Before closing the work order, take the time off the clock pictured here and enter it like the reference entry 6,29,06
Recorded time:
4,42,45
